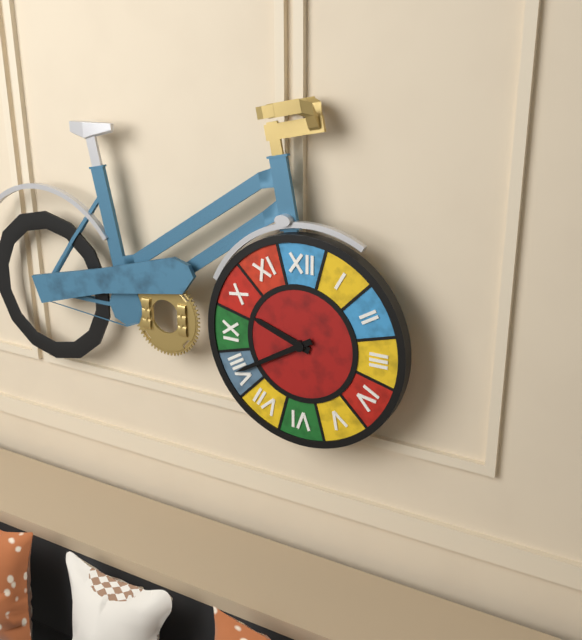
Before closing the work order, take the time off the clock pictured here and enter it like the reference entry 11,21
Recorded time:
9,40
